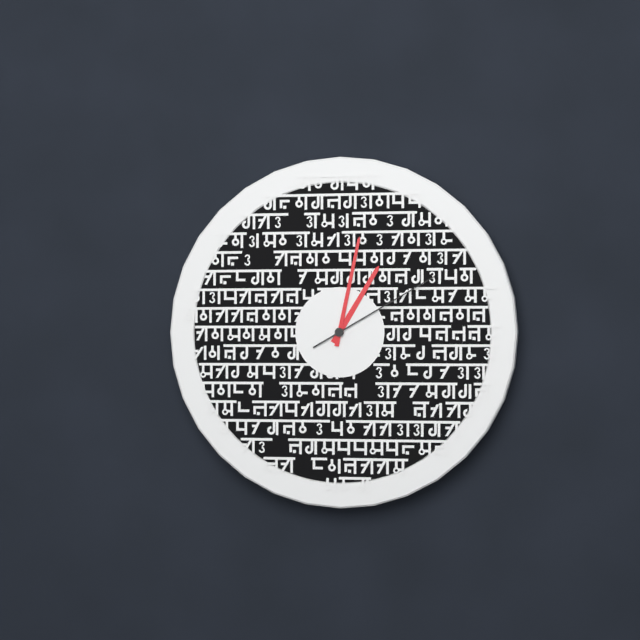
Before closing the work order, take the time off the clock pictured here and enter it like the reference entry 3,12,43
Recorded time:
1,02,10
